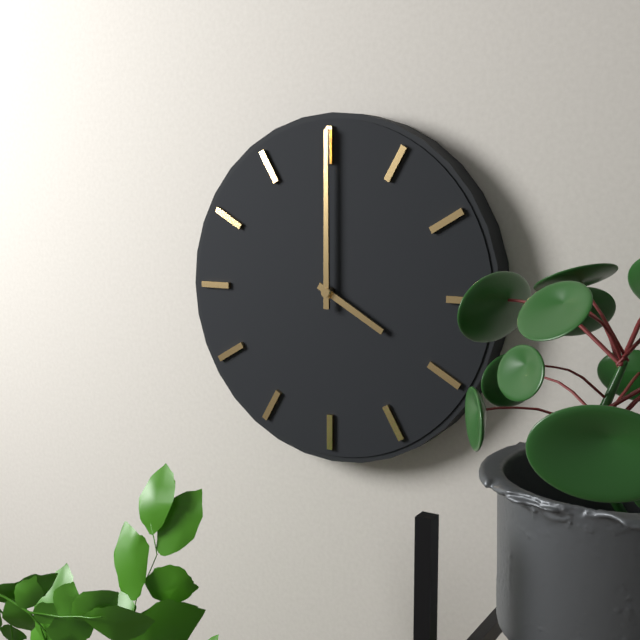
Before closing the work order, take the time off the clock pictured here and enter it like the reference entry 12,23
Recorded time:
4,00
